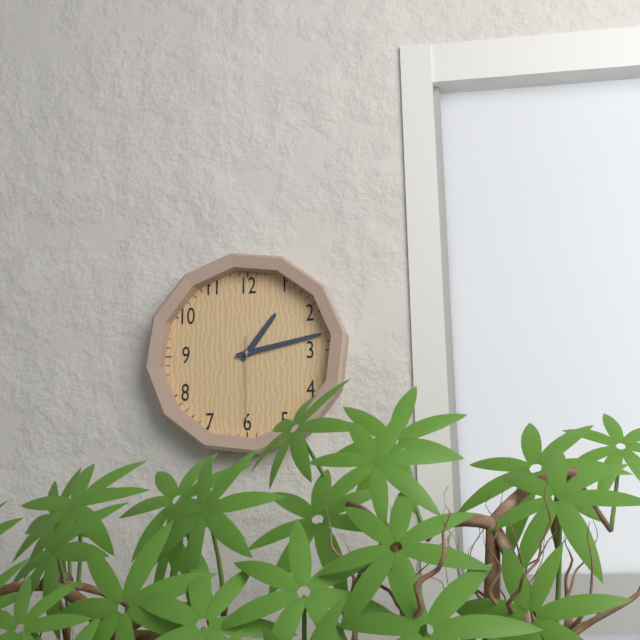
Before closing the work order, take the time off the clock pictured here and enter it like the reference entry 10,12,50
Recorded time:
1,13,30
